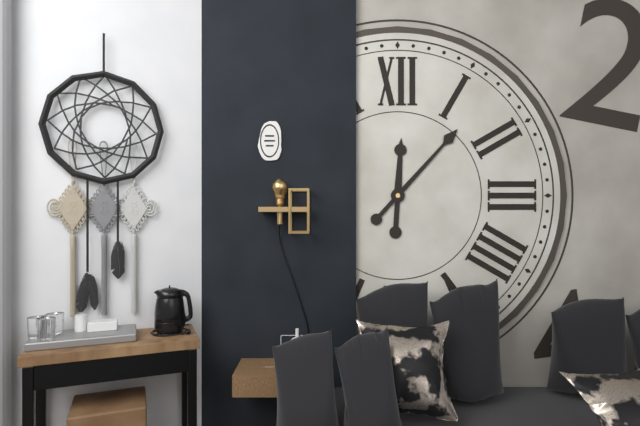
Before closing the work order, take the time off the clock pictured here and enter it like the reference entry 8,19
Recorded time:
12,07
